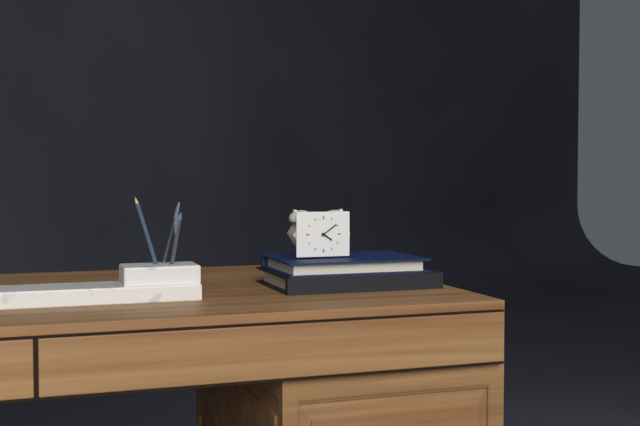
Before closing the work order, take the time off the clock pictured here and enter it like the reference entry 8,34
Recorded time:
4,09
